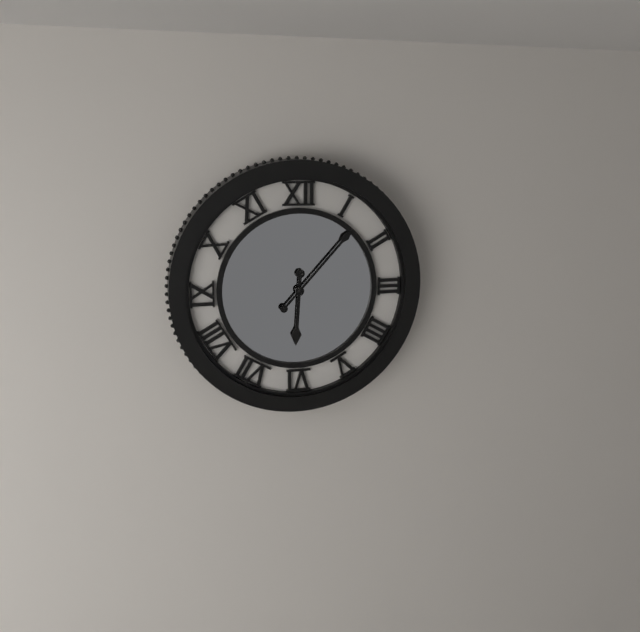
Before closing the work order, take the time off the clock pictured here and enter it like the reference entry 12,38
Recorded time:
6,07
